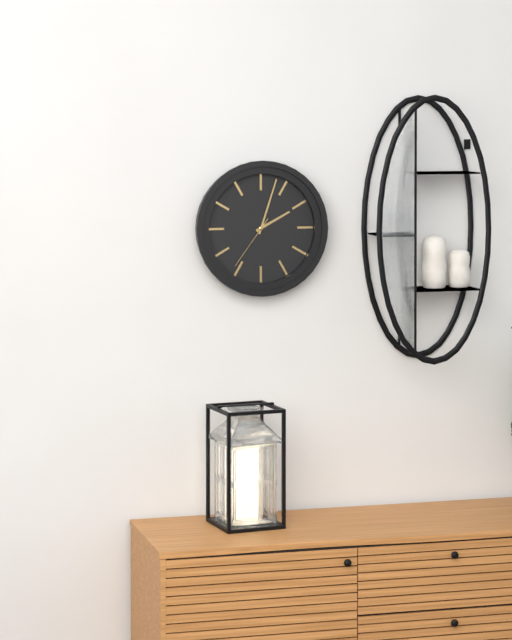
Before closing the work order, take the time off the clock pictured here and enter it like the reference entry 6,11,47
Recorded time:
2,03,36
